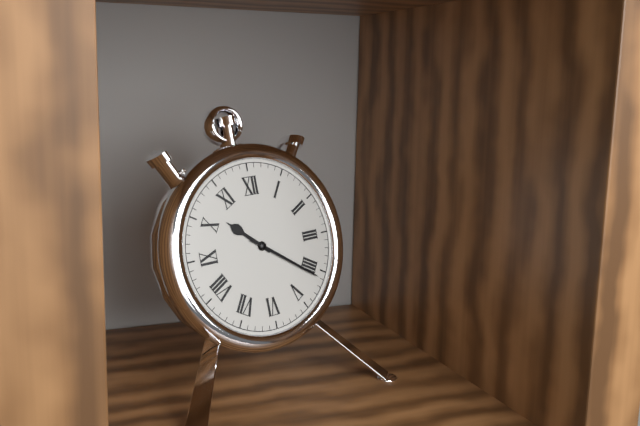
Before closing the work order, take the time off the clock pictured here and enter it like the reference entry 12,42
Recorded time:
10,21
